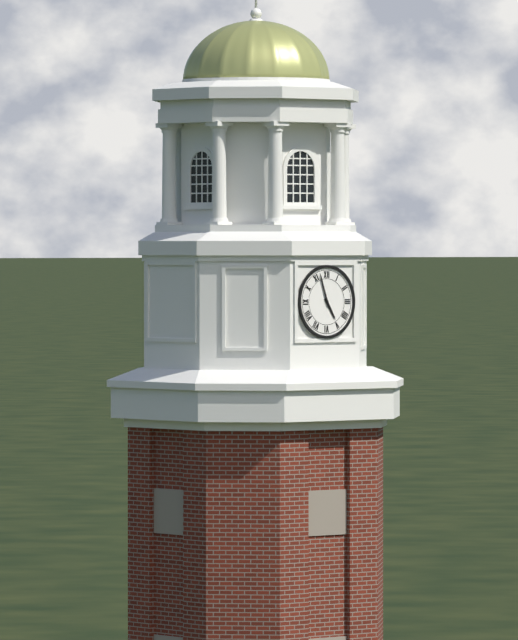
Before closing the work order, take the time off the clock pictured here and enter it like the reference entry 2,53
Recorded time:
4,57
